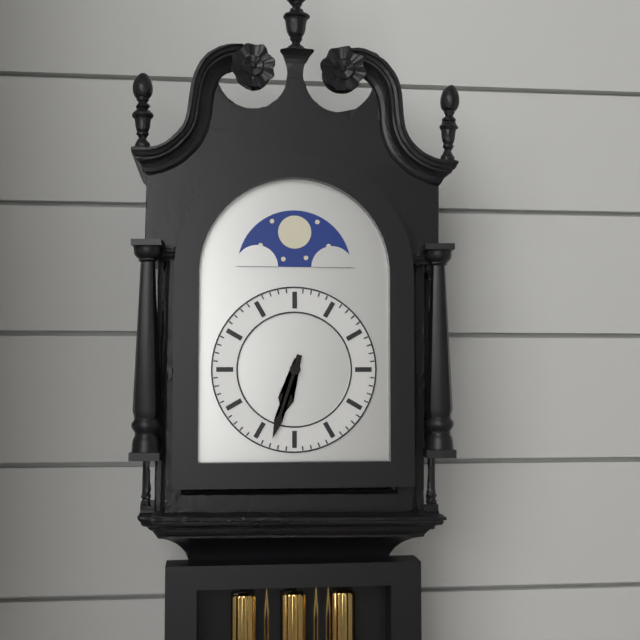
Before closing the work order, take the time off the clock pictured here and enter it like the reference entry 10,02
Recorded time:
6,33
